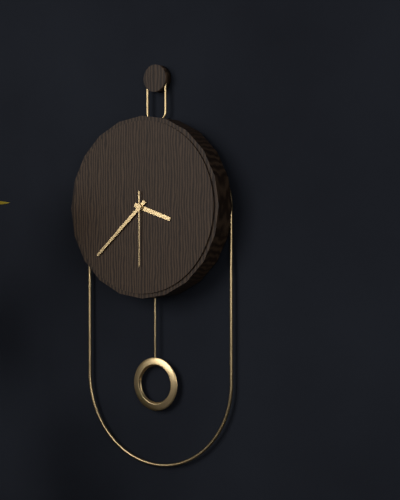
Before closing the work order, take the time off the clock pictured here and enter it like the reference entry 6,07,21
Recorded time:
3,38,30
